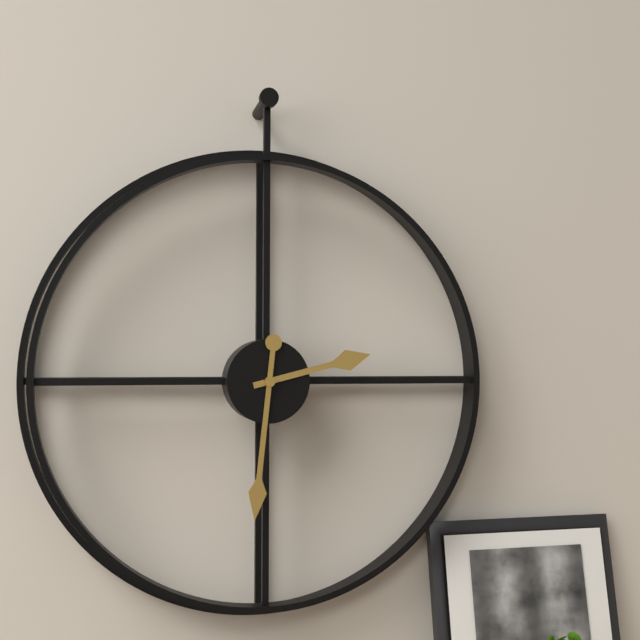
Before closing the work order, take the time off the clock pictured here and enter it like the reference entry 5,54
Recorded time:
2,31
